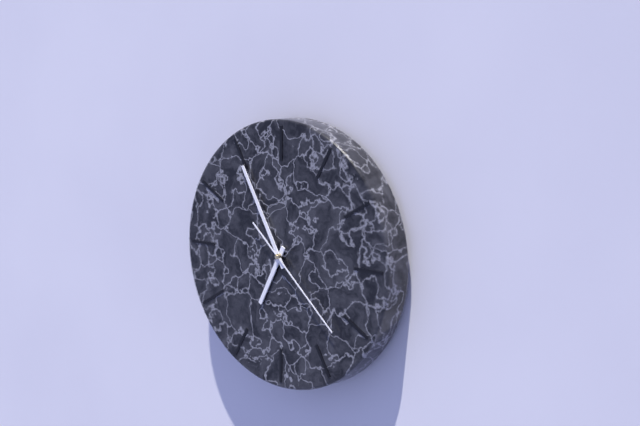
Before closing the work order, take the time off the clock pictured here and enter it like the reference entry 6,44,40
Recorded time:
6,55,22
